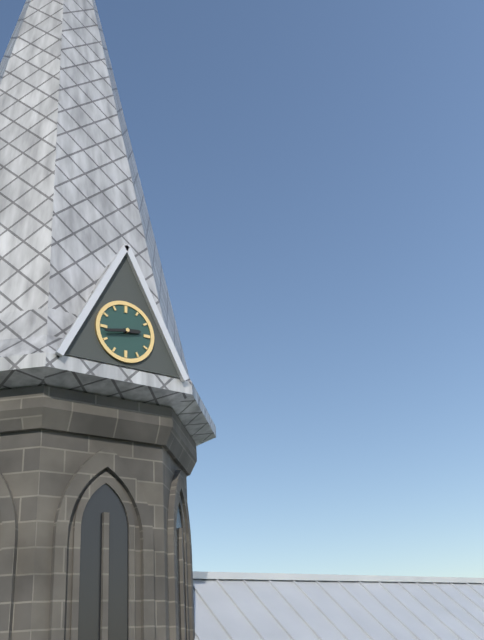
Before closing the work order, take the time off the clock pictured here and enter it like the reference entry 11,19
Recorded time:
2,43
